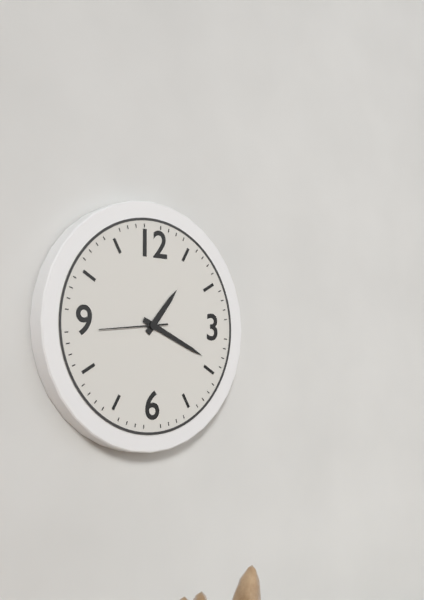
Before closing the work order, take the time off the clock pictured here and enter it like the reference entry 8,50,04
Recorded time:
1,19,44
